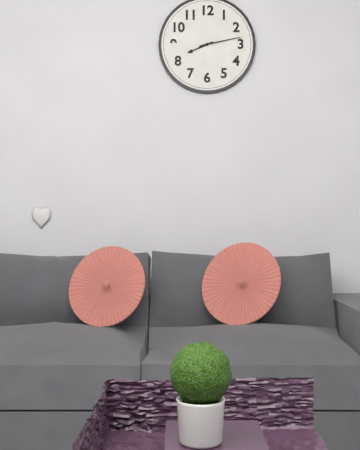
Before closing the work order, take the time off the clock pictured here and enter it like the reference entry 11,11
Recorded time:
8,13
